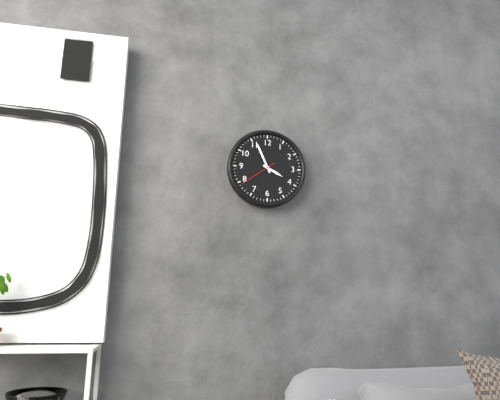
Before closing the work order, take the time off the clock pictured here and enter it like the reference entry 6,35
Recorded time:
3,56
